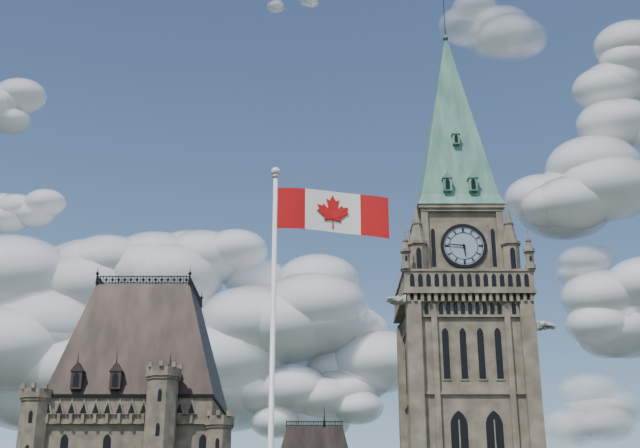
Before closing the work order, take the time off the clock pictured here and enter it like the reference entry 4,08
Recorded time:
5,46
